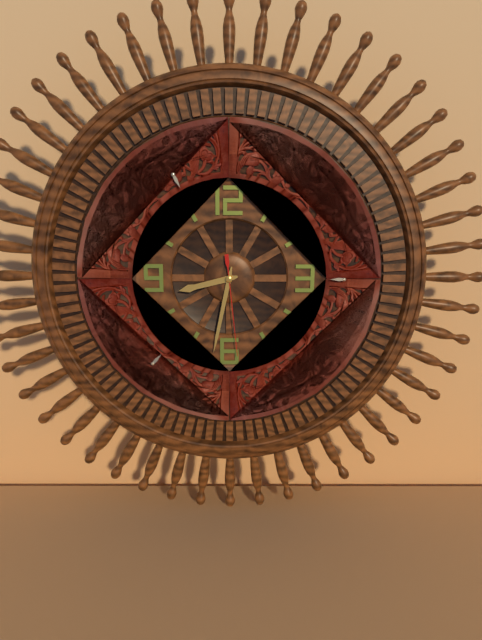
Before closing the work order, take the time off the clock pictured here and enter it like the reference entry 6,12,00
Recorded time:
8,32,29
